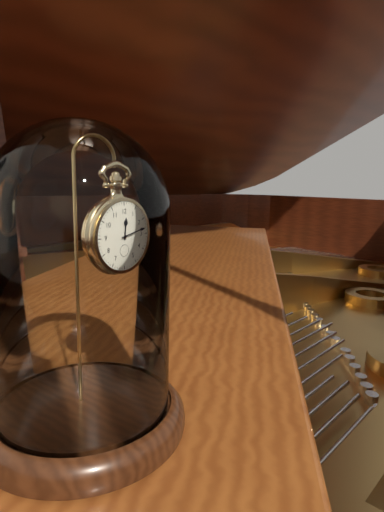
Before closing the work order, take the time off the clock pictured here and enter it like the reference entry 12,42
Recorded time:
12,13
